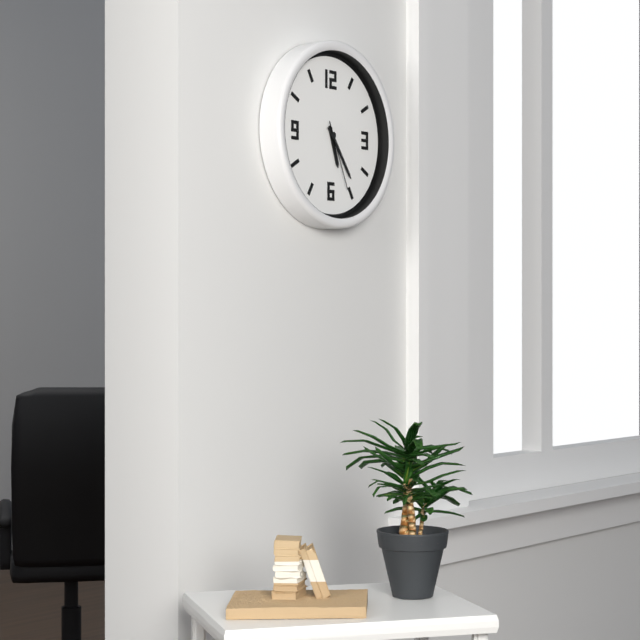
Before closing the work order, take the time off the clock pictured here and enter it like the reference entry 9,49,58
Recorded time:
5,24,26
